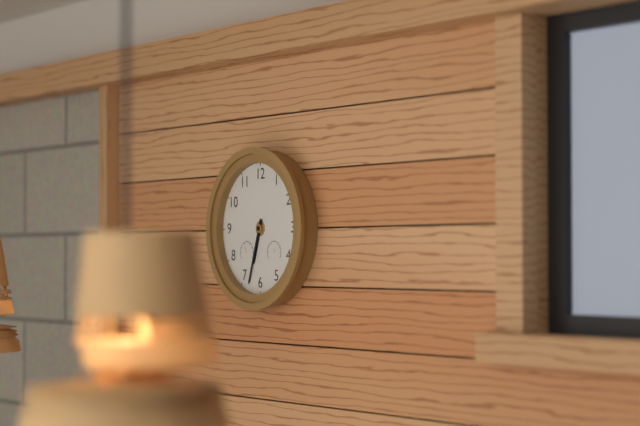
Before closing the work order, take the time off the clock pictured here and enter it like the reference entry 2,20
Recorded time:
6,33
